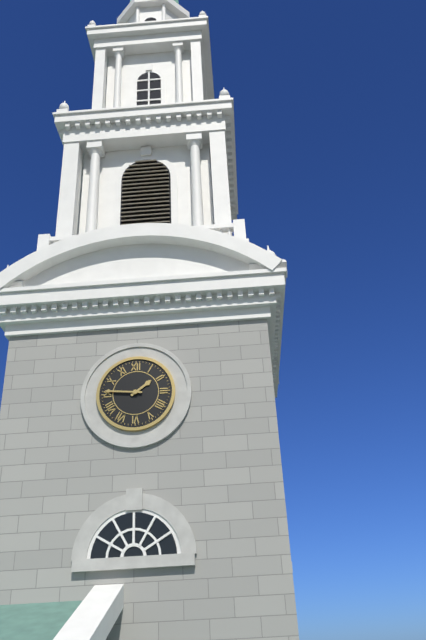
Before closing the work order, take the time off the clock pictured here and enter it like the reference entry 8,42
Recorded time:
1,46
